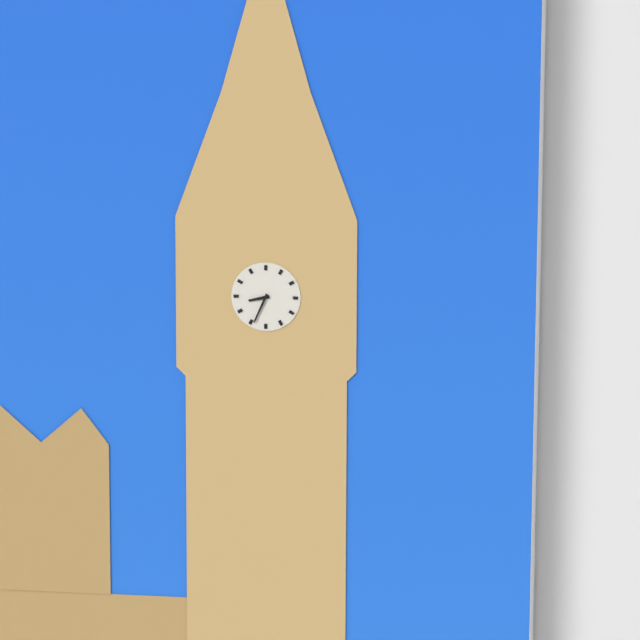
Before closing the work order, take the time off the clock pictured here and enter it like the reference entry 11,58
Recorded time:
8,34
